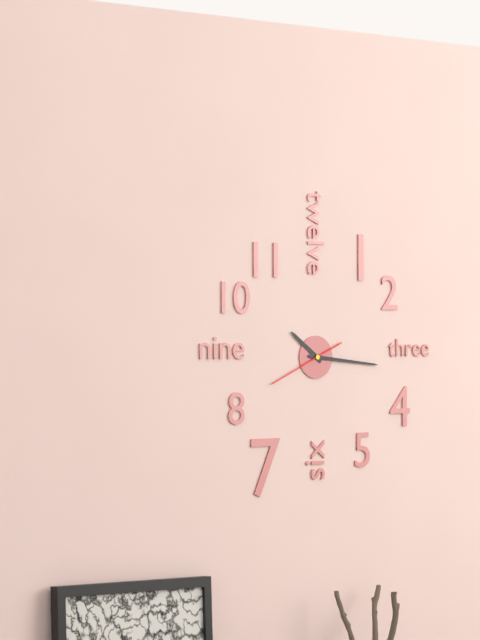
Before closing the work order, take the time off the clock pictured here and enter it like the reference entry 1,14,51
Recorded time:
10,16,41
